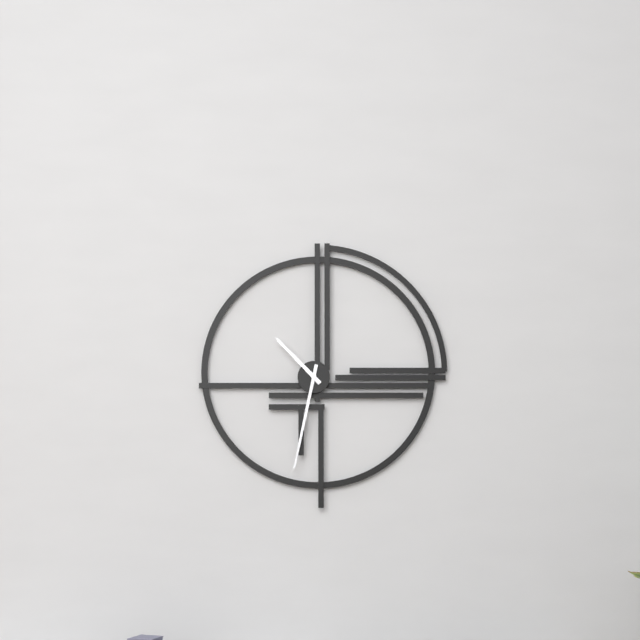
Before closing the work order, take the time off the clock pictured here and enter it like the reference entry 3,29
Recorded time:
10,32
